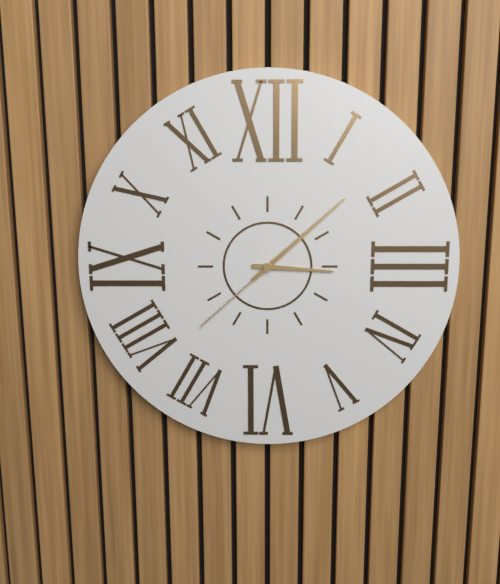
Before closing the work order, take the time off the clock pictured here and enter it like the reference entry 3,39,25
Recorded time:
3,08,38
